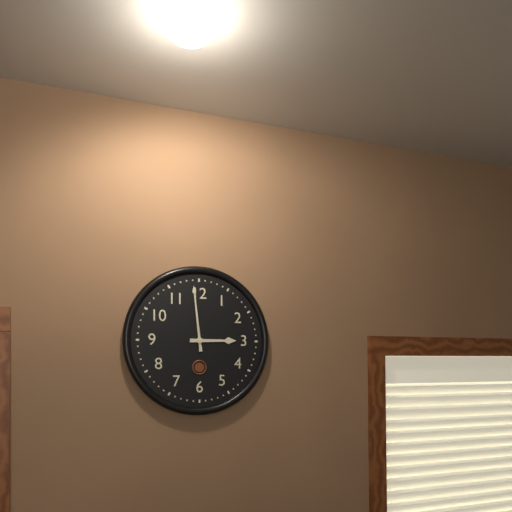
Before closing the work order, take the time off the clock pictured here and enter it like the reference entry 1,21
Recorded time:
2,59
